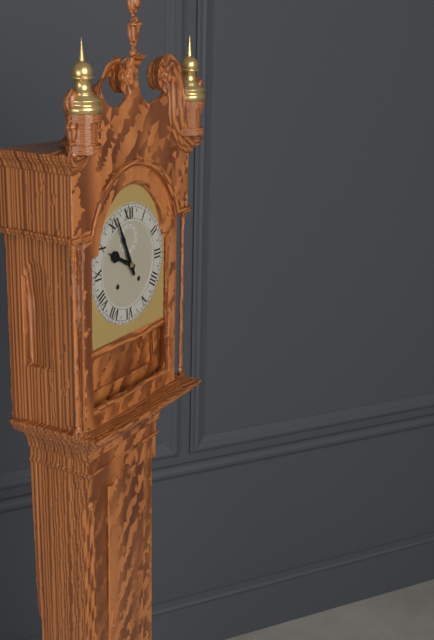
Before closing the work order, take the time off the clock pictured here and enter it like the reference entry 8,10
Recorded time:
9,56
